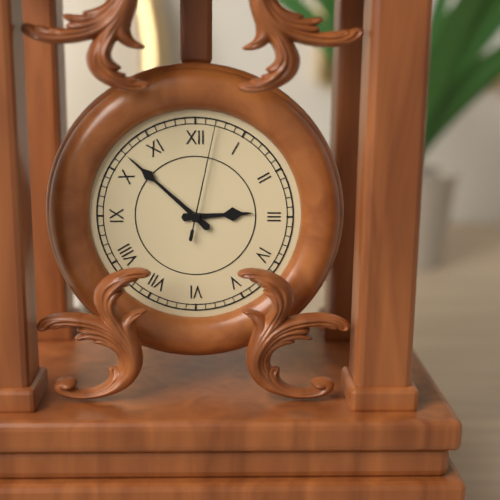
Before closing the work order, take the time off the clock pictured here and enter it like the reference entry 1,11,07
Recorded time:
2,52,02
